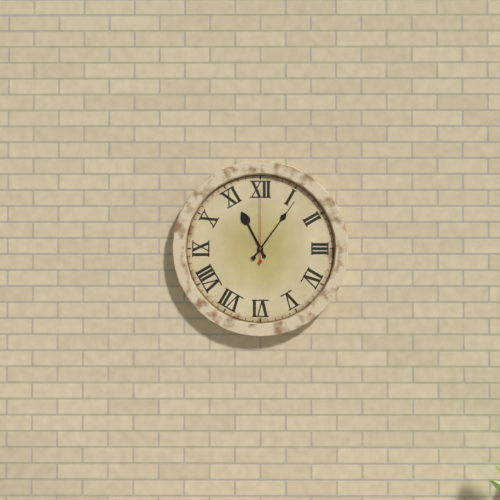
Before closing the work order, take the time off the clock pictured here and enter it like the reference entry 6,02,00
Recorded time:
11,06,00
